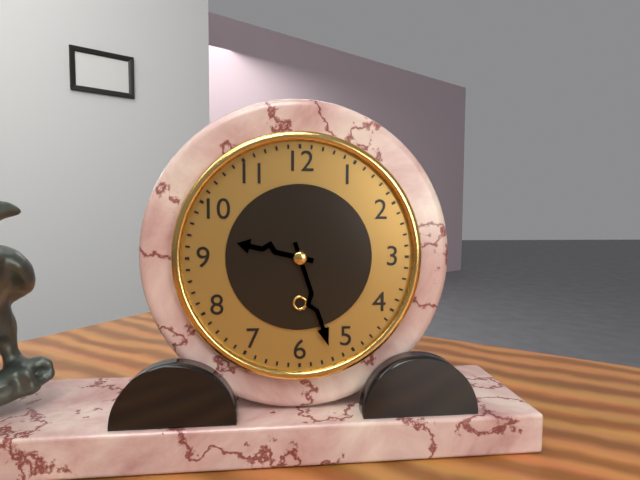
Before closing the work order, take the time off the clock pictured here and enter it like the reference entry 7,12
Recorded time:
9,27
